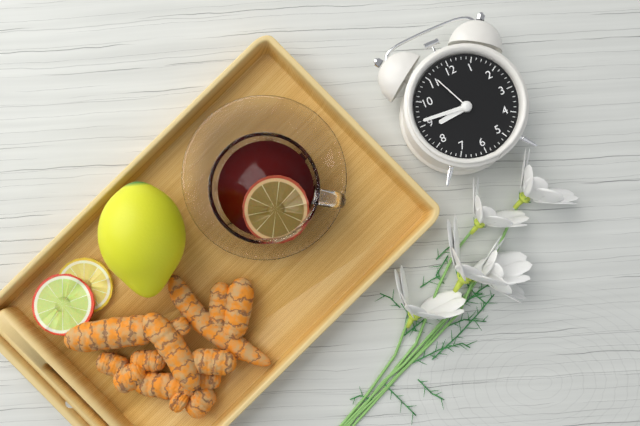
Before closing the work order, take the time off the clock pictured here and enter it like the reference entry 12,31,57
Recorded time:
8,46,56
